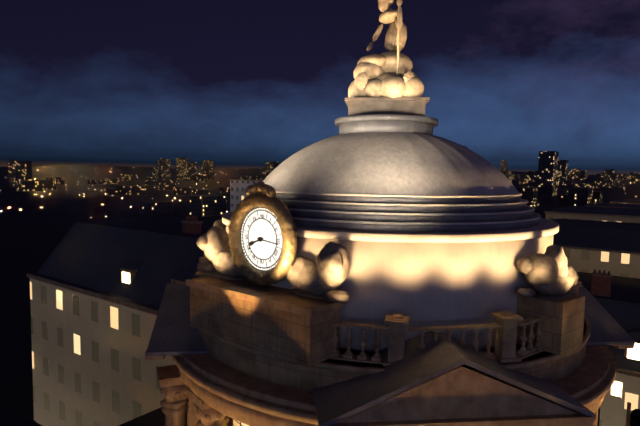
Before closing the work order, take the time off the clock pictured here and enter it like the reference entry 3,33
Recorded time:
8,16
